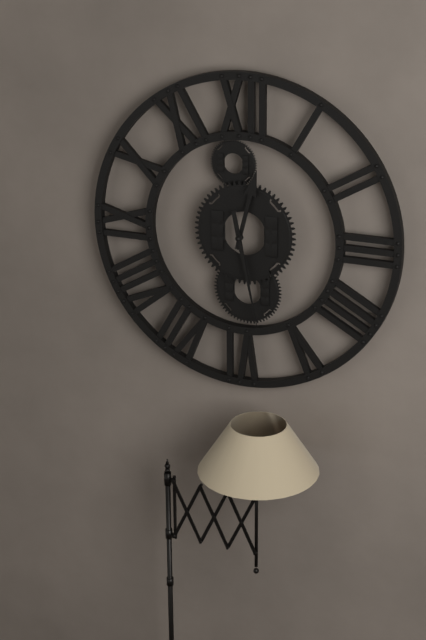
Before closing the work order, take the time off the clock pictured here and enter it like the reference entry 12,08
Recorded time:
12,28
